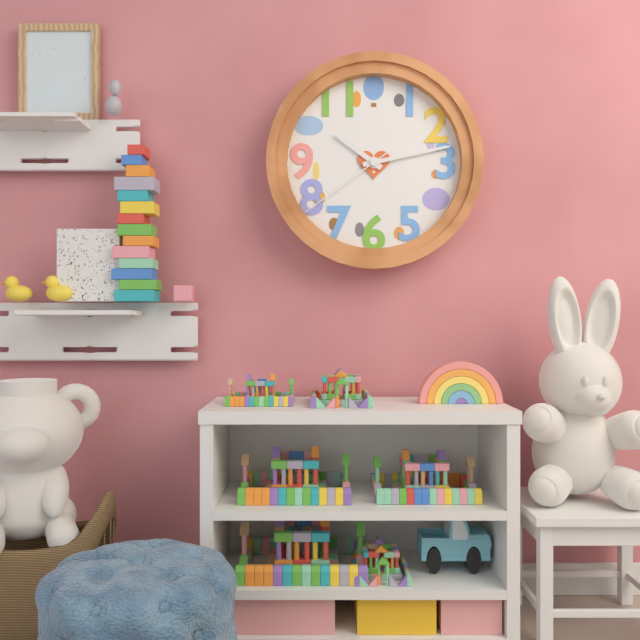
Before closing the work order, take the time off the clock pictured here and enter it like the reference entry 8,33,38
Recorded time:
10,13,39
